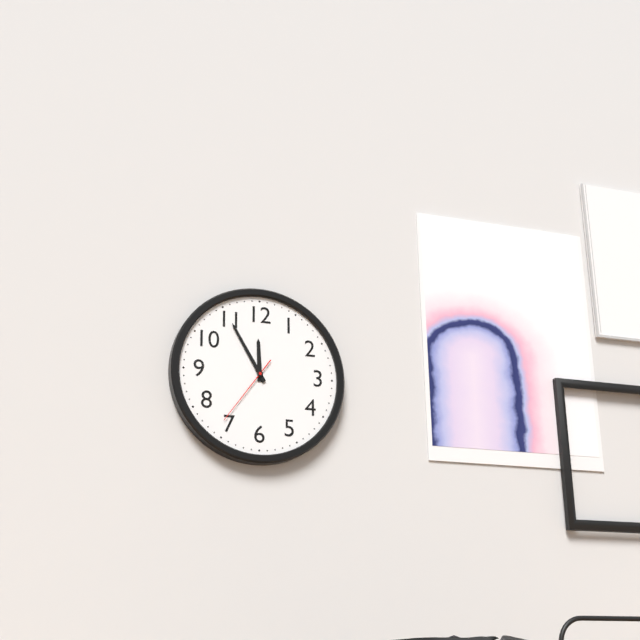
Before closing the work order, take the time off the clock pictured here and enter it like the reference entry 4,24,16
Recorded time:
11,55,36
